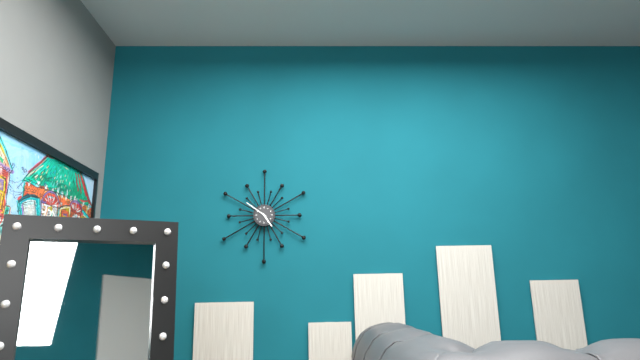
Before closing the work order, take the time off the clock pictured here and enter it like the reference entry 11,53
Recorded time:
4,51
